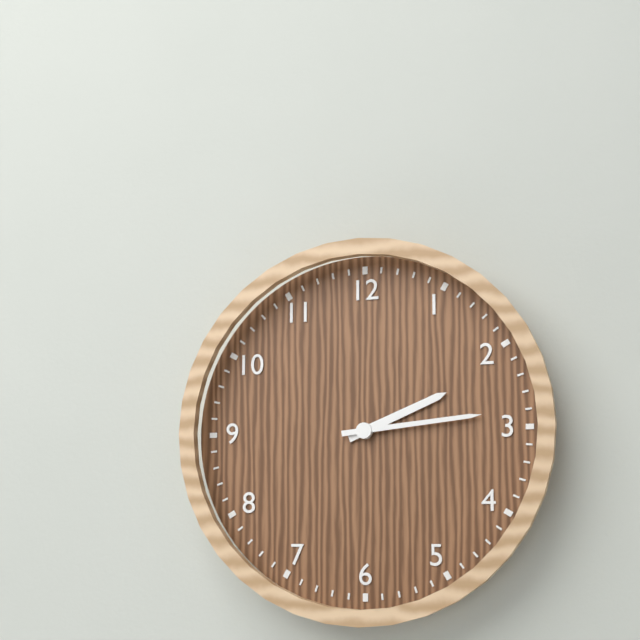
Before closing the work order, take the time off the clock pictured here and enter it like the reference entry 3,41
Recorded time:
2,14
